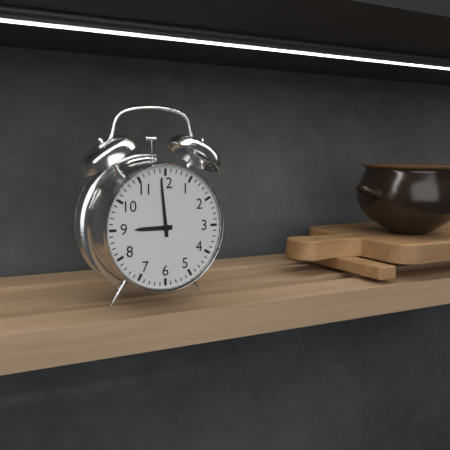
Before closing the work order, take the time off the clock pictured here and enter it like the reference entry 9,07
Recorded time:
8,59
